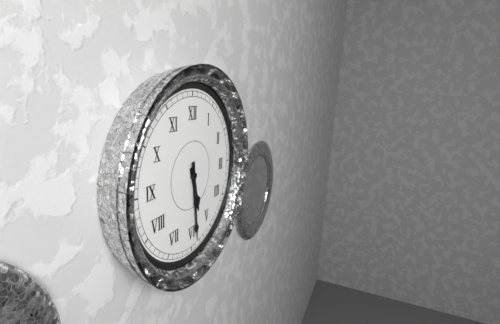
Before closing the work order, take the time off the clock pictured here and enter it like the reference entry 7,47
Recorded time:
5,29
